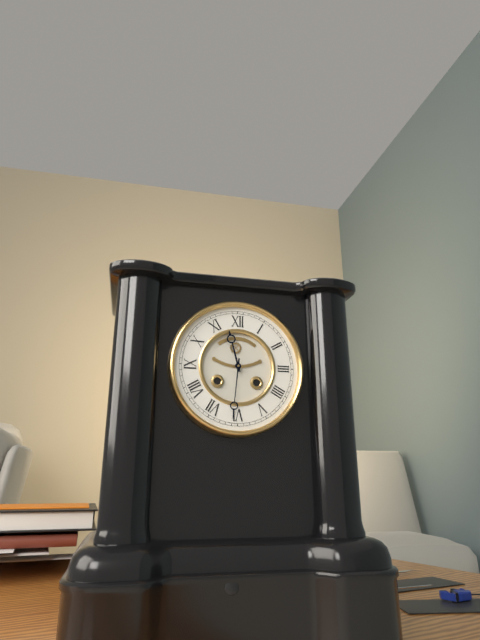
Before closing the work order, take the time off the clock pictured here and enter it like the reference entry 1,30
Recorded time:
11,31
